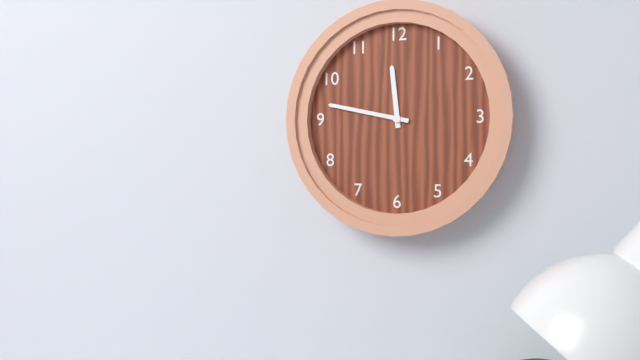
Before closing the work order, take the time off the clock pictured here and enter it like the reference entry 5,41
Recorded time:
11,47
